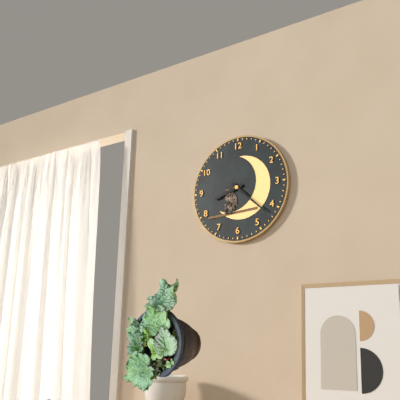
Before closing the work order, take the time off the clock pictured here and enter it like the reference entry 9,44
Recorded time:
8,22
